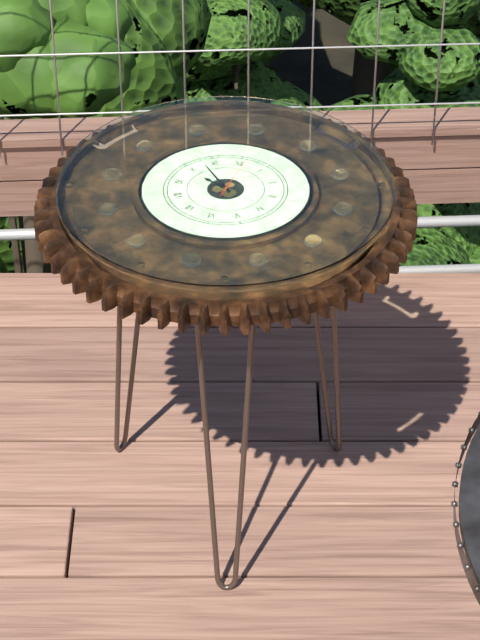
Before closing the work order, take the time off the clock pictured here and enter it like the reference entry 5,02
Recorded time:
9,53
